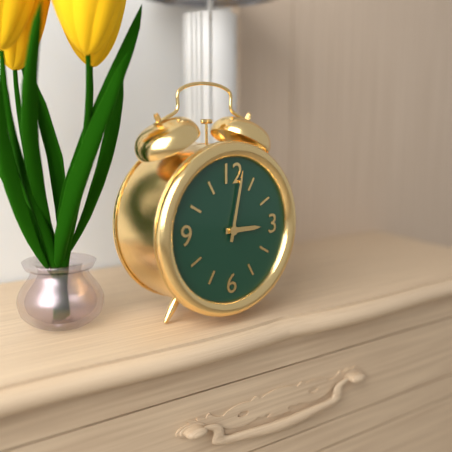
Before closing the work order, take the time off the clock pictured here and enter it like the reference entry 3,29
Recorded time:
3,02
